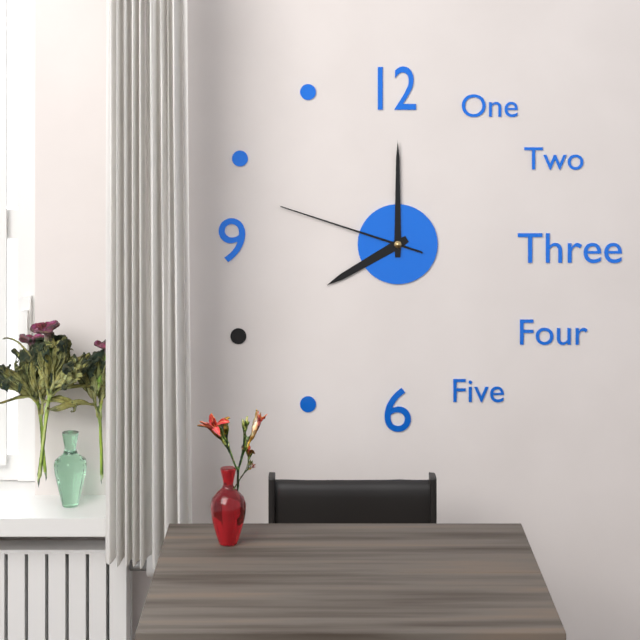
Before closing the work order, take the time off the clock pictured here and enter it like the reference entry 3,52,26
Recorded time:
8,00,48
